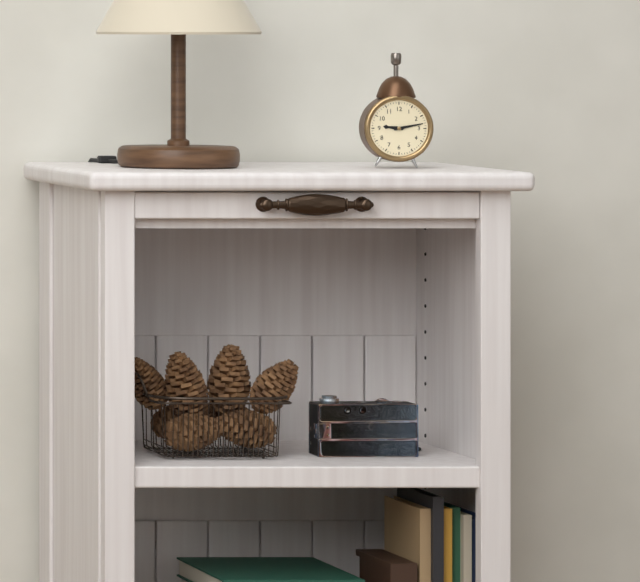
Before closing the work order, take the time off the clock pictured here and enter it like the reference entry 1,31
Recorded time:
9,13
